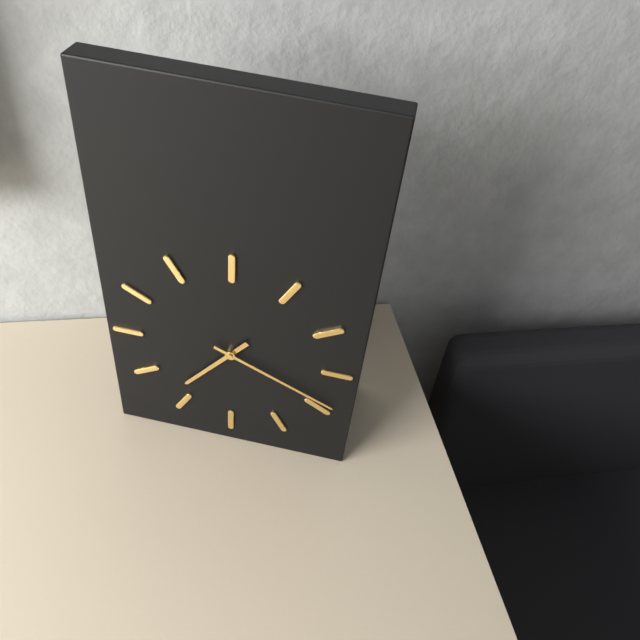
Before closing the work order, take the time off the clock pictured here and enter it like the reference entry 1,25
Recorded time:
7,19
